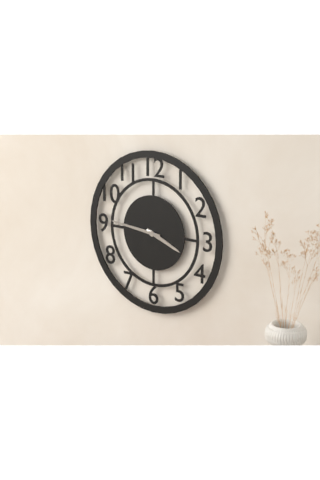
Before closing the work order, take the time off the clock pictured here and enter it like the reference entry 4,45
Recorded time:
3,46
